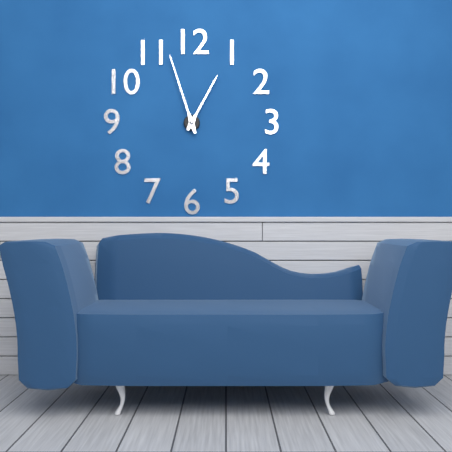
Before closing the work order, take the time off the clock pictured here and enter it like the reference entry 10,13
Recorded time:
12,57
